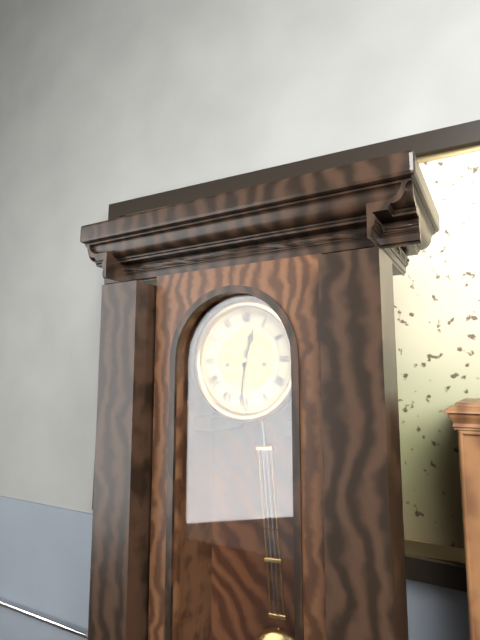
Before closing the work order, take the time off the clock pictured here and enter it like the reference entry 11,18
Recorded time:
12,31
